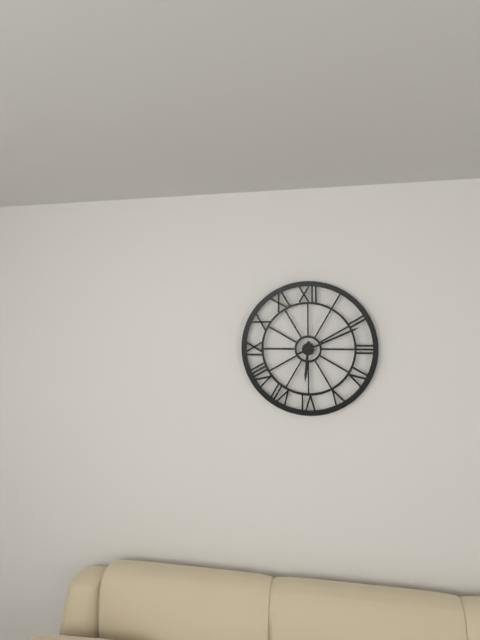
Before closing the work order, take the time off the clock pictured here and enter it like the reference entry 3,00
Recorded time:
6,11
